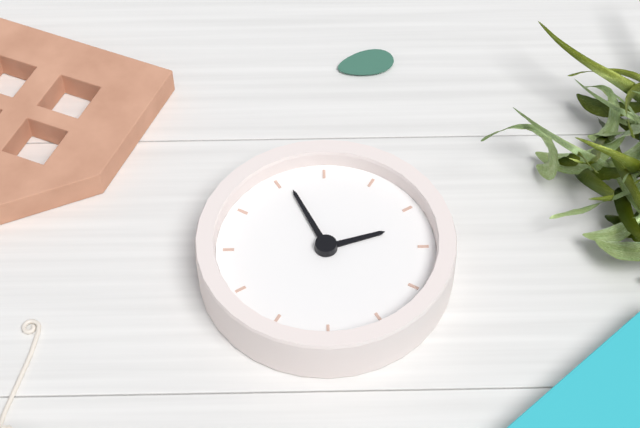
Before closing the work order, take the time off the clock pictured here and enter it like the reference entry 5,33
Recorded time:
8,26
